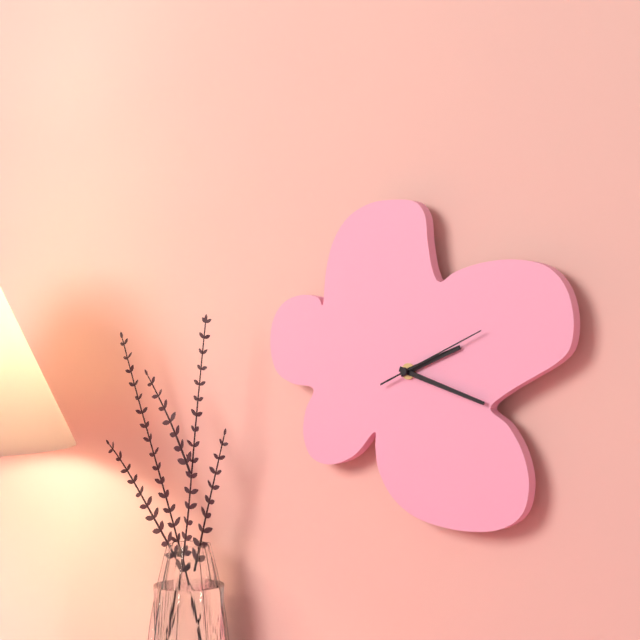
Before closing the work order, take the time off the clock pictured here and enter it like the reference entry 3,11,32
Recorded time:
2,18,11
